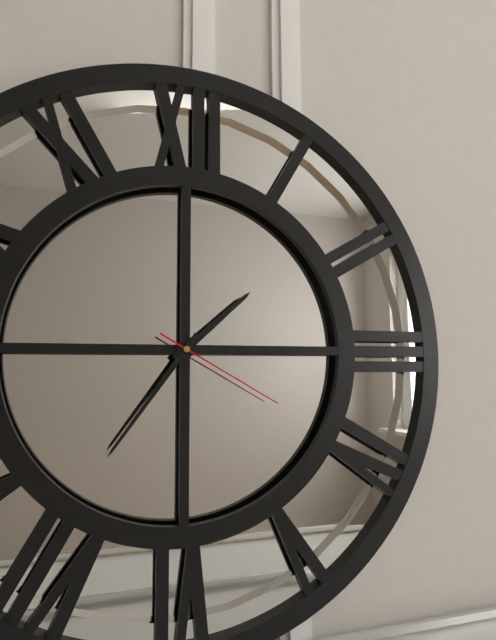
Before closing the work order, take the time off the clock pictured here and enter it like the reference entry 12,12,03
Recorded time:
1,36,20
